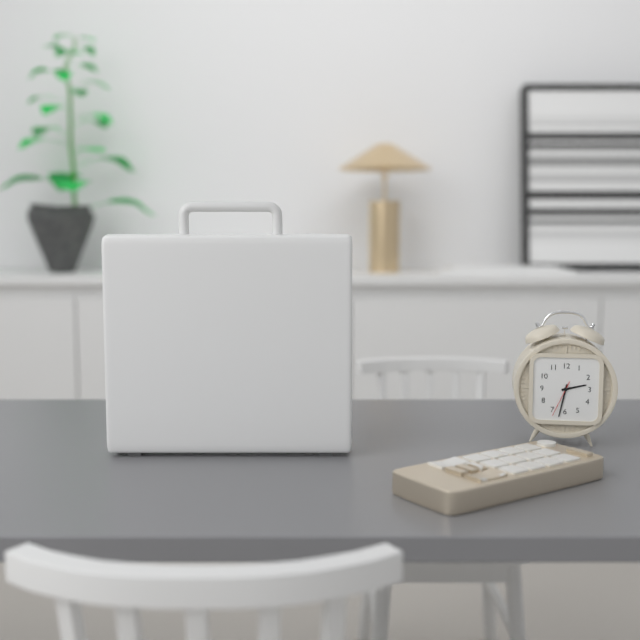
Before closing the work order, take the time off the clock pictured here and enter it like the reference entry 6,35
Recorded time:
2,32
